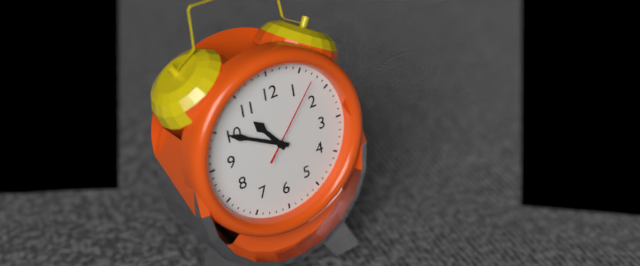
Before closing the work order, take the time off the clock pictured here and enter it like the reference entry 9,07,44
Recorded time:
10,50,07
